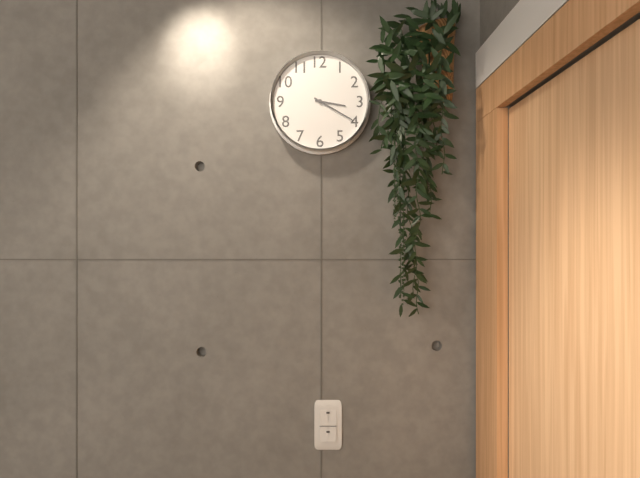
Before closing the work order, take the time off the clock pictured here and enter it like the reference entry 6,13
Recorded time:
3,20
